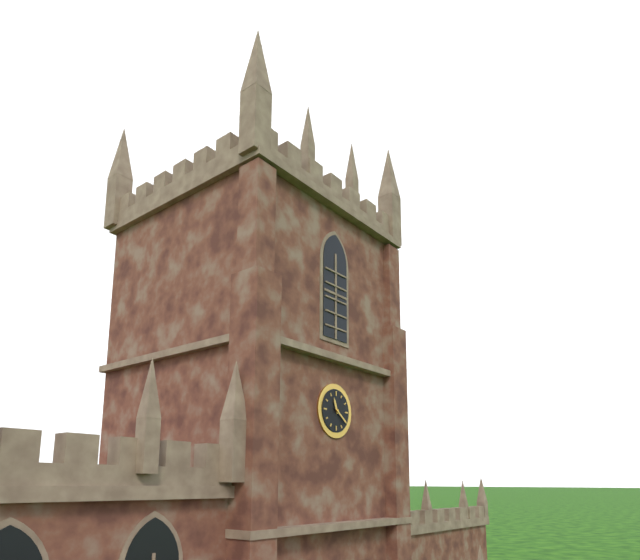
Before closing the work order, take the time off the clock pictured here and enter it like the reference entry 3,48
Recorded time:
11,21
